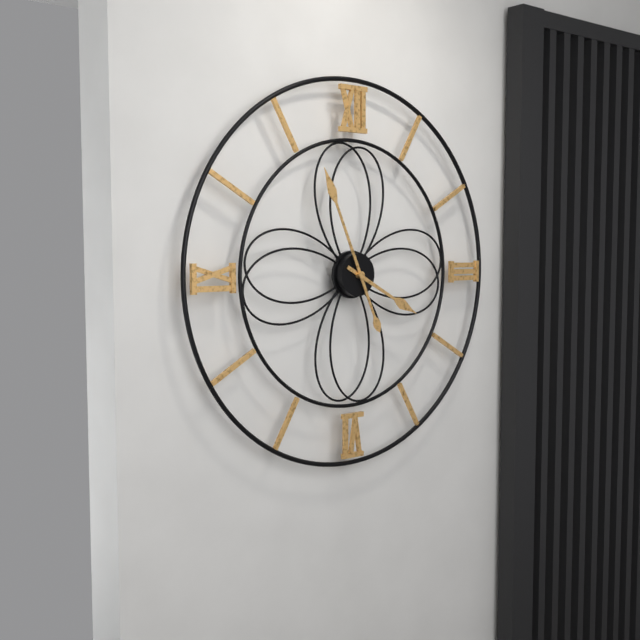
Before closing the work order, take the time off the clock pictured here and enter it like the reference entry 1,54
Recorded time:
3,56
